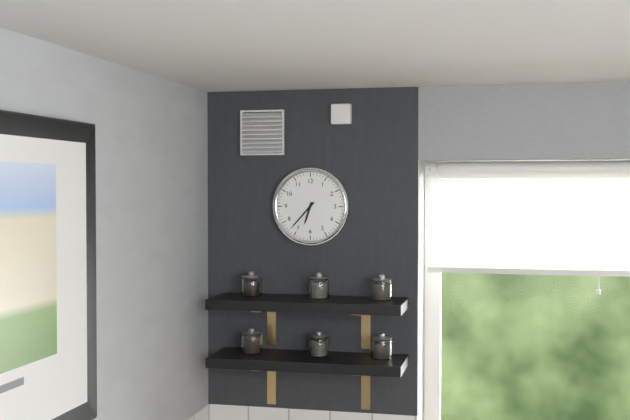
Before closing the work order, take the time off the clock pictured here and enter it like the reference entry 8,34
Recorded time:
6,37
